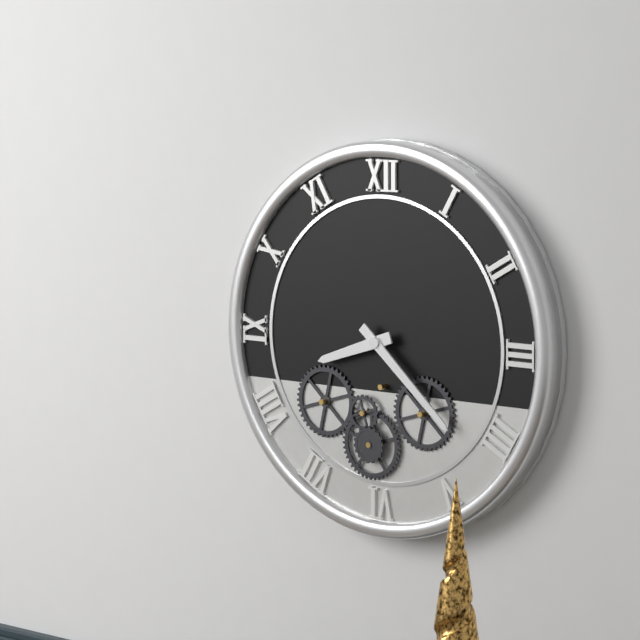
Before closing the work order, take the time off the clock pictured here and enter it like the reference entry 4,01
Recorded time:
8,22
